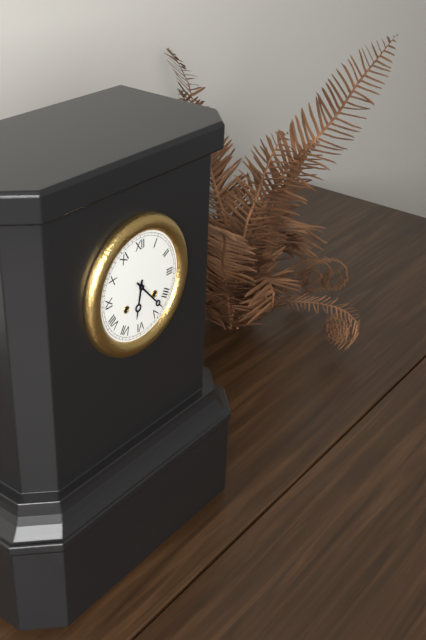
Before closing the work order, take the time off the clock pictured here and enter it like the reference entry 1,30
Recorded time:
6,23
